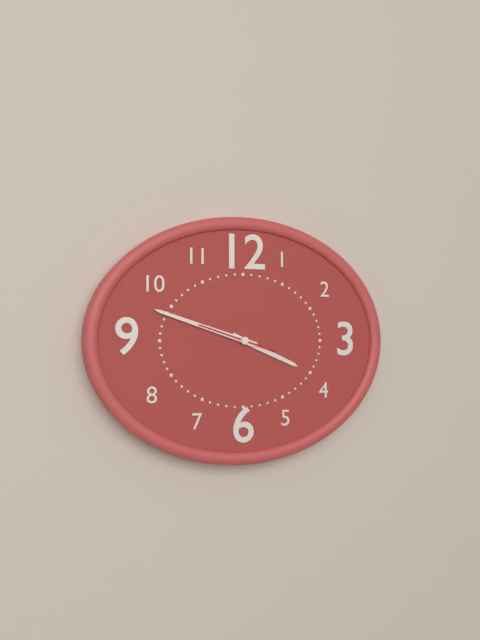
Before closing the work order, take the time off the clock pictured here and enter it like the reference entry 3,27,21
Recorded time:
3,48,48
